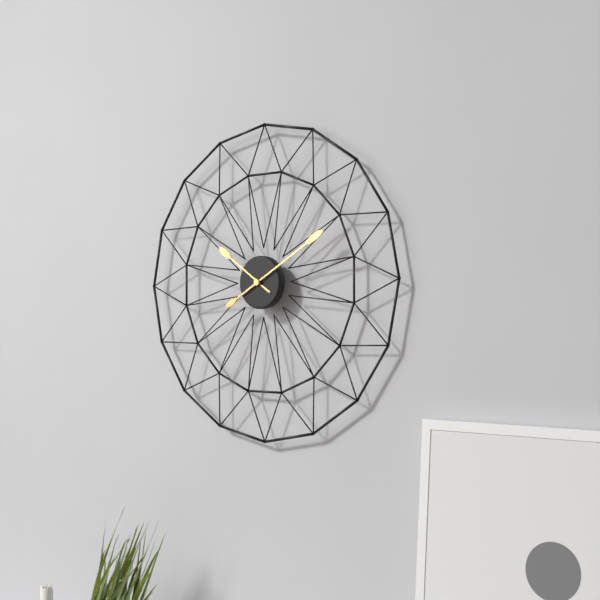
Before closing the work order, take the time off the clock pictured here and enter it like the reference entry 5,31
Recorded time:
10,10
